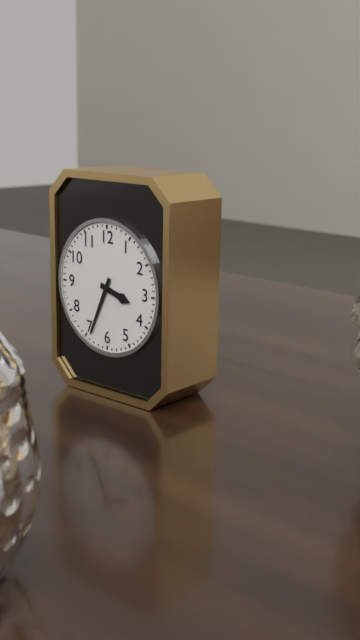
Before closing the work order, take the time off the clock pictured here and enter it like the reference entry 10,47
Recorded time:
3,34
